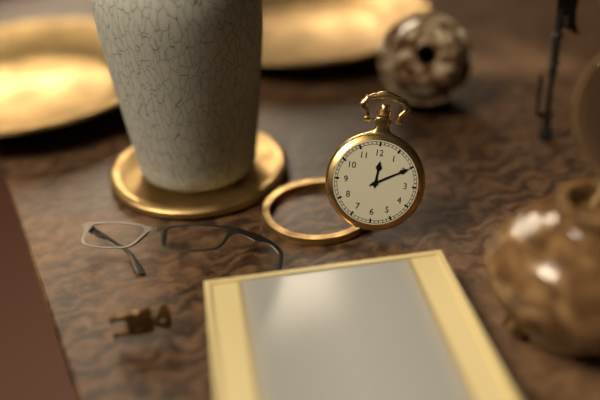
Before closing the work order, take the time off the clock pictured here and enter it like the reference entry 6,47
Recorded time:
12,10
